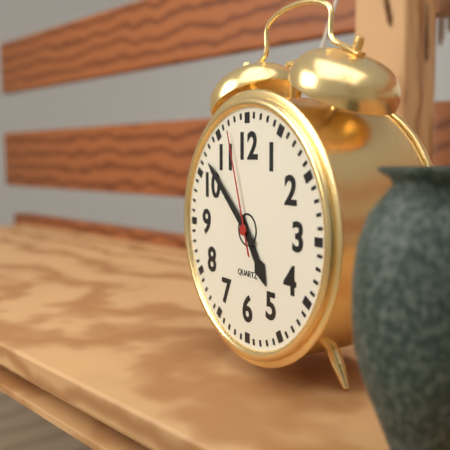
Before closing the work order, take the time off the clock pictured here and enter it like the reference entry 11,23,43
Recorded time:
4,52,57
